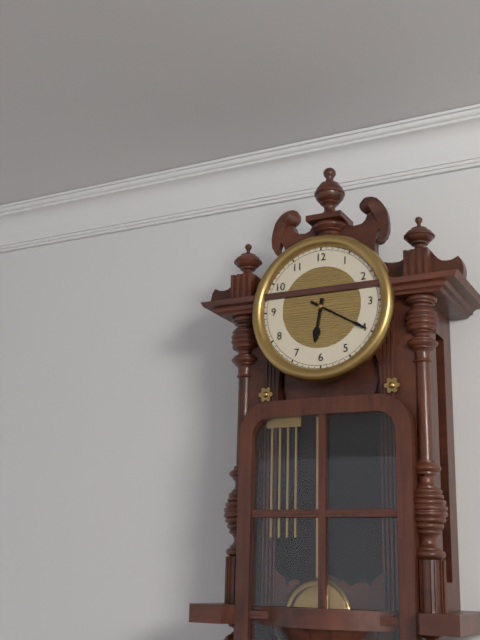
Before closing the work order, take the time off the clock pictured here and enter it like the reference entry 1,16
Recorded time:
6,20
